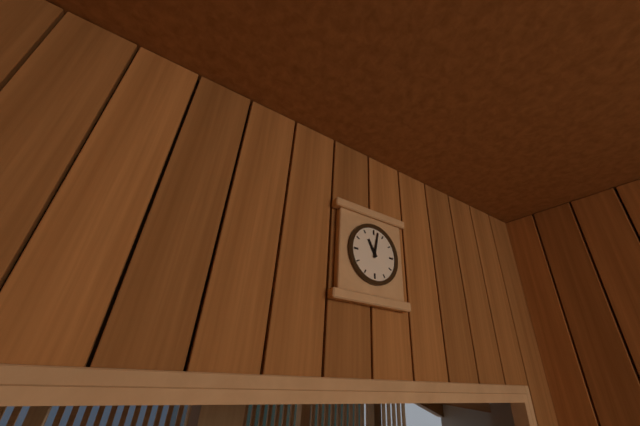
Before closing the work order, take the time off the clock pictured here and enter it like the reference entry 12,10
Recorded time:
11,02
